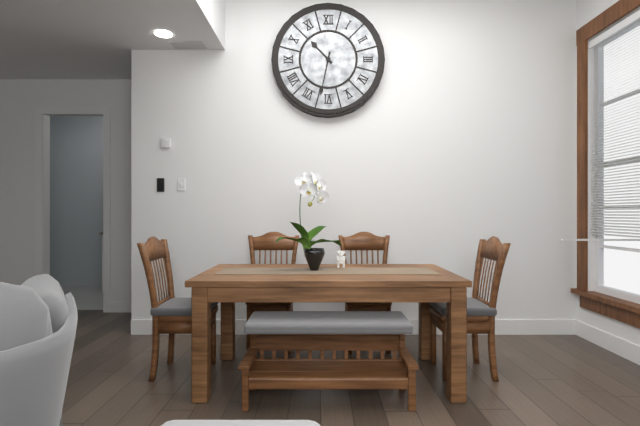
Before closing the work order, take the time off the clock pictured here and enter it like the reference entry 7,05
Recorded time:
10,32
